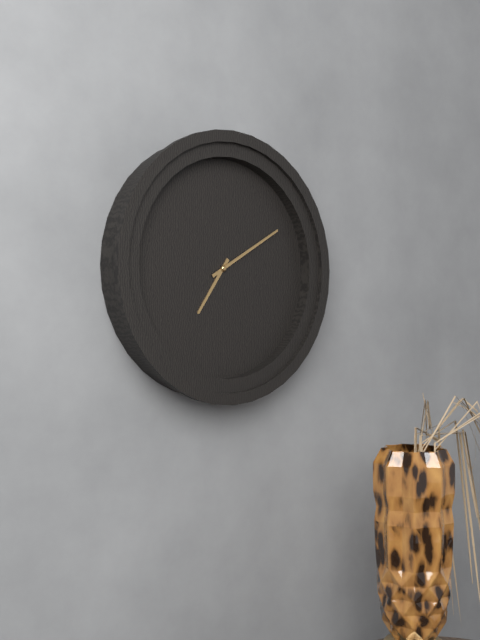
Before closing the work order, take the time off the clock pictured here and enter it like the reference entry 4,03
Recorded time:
7,10
